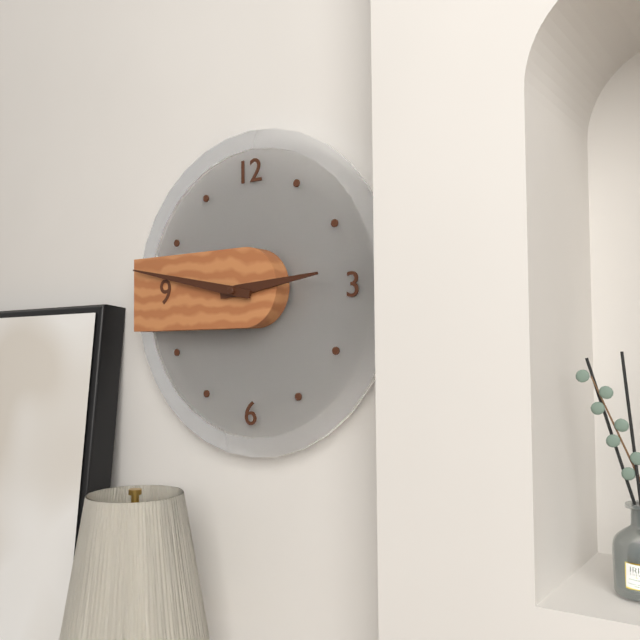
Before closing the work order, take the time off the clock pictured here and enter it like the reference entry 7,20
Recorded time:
2,47
